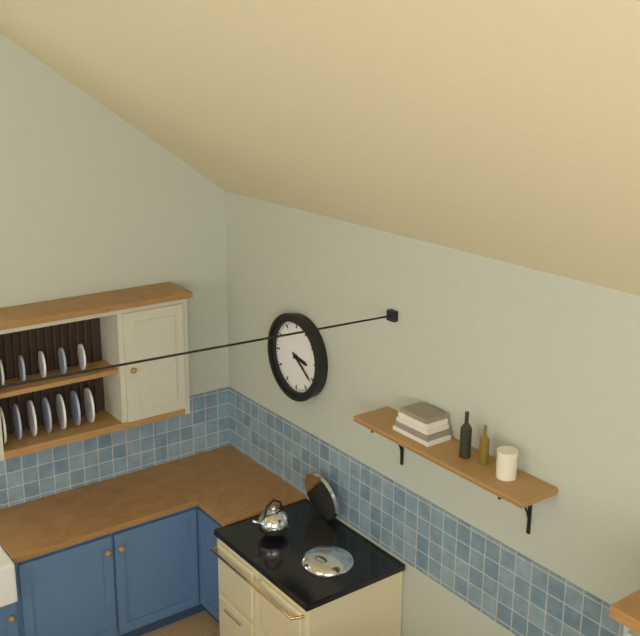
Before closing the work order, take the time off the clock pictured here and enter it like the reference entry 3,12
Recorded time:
3,21
